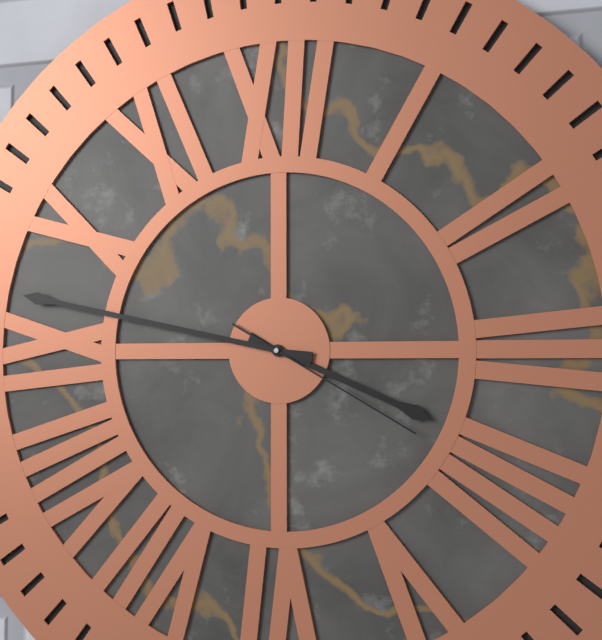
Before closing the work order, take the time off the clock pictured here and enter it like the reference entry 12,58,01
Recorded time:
3,47,20
